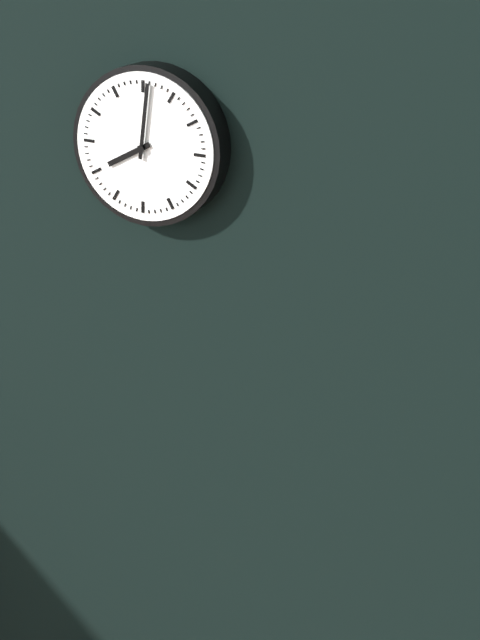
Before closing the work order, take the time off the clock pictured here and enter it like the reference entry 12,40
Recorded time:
8,01
